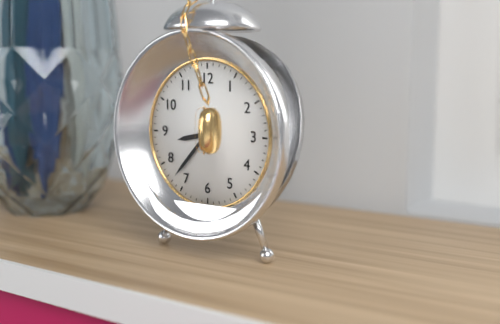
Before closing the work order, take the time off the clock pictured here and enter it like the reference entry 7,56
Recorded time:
8,37
